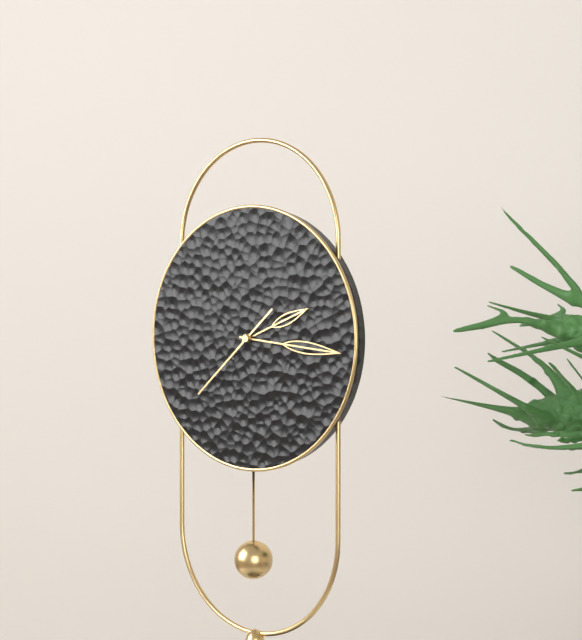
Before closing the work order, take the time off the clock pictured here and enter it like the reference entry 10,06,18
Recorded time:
2,16,38
